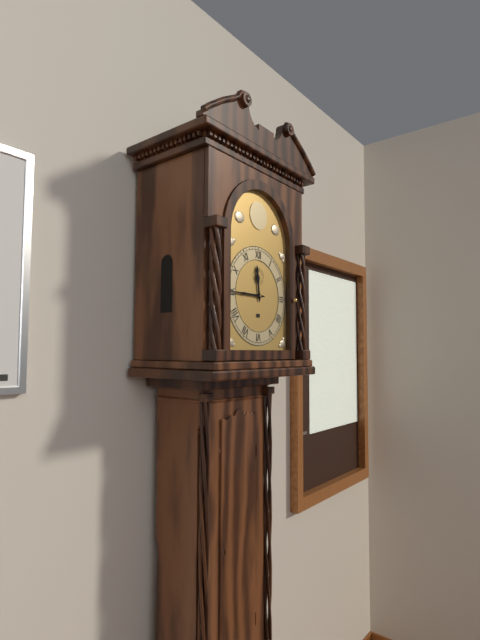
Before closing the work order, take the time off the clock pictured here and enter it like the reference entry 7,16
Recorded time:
11,45
